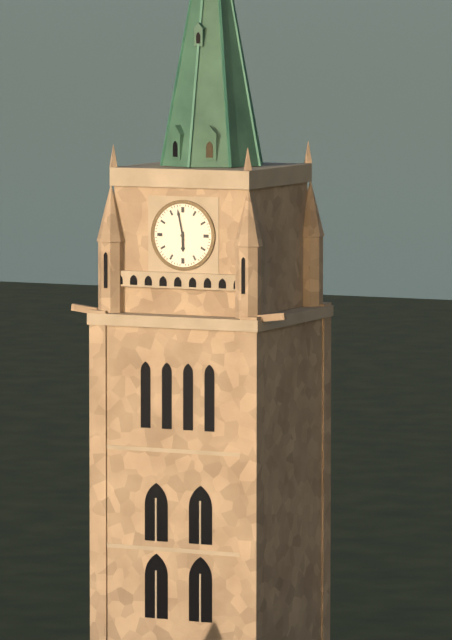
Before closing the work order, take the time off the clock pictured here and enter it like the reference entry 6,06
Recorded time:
5,58
